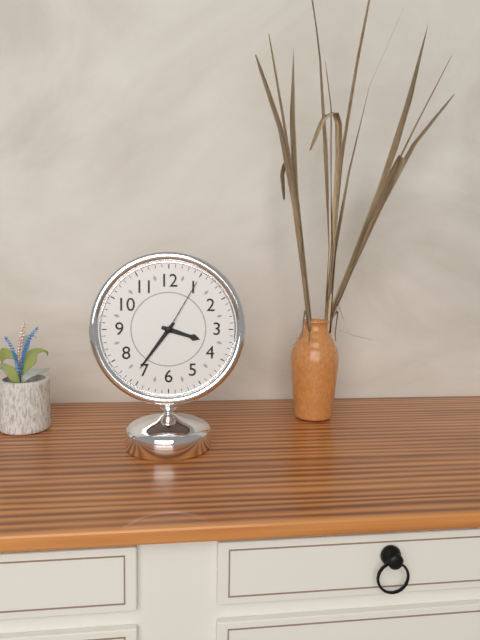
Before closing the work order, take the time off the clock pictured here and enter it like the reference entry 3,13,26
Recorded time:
3,36,05
